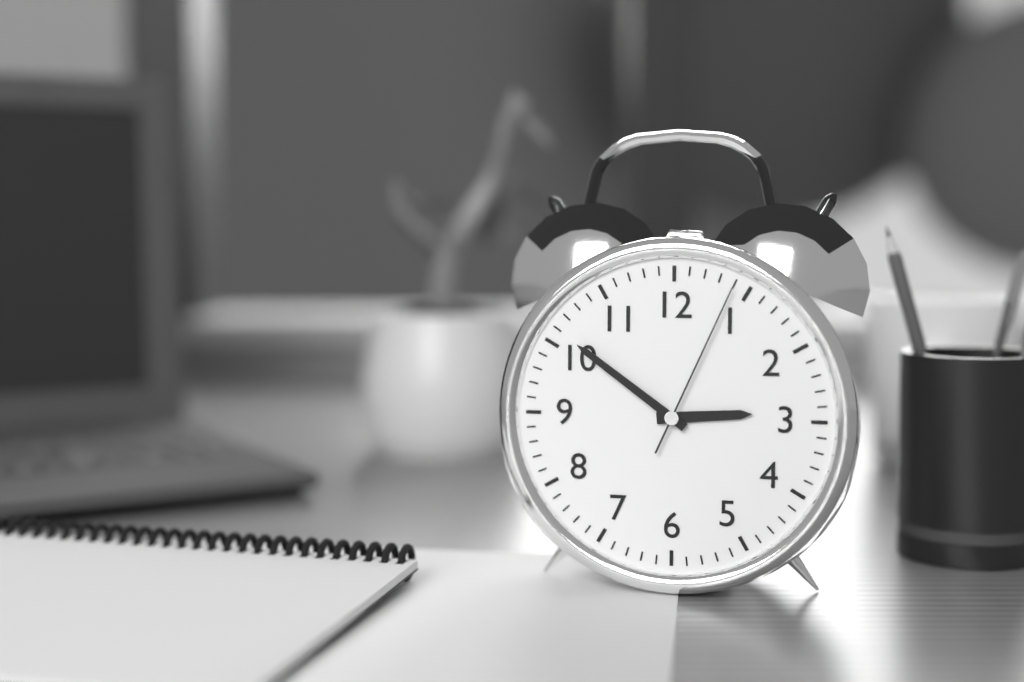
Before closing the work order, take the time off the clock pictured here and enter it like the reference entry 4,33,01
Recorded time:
2,51,04
